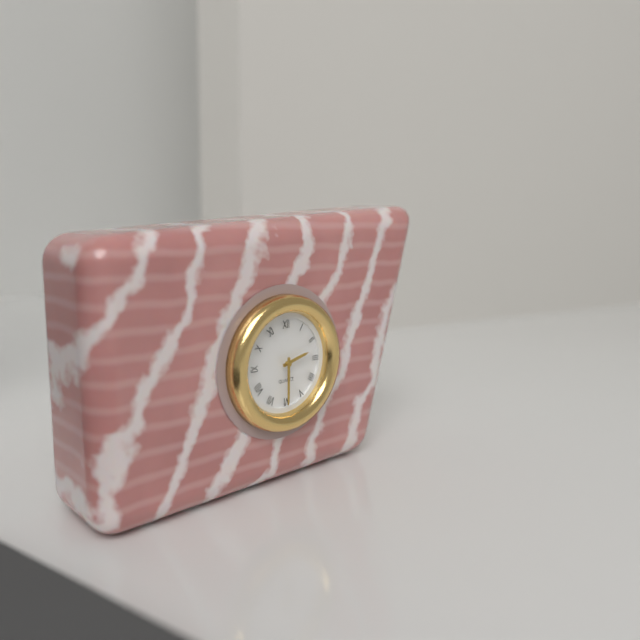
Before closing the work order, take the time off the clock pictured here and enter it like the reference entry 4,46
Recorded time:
2,30
